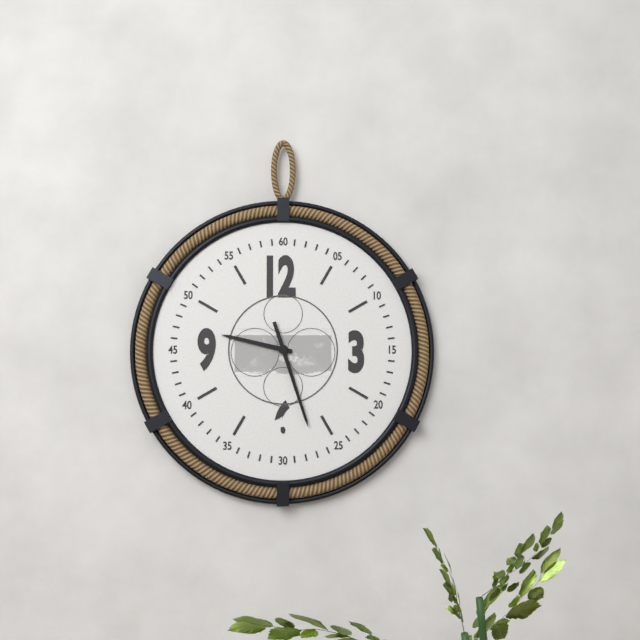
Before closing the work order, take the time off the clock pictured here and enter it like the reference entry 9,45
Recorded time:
9,27
